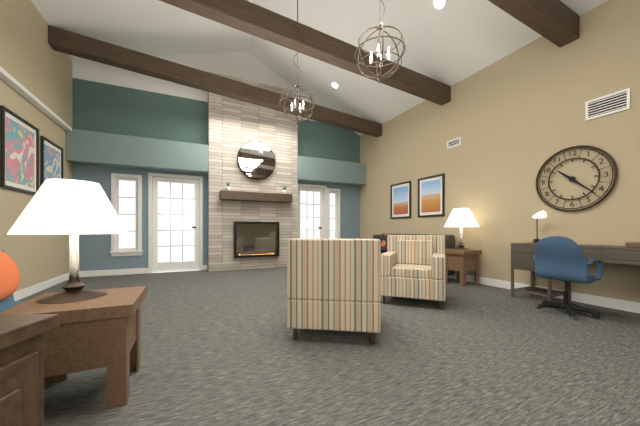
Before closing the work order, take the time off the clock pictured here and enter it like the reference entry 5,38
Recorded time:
10,22
